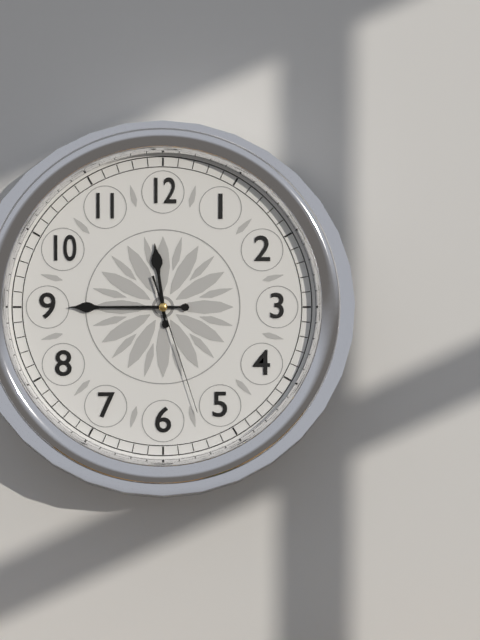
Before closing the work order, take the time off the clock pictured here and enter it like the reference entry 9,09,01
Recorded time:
11,45,27
